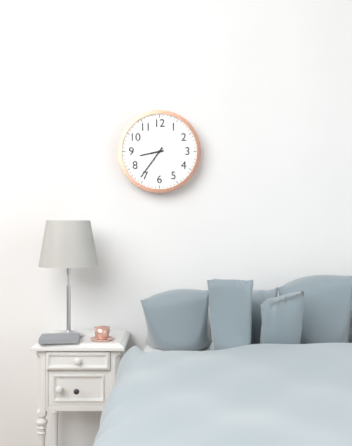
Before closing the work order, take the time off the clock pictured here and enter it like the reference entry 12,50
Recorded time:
8,36
